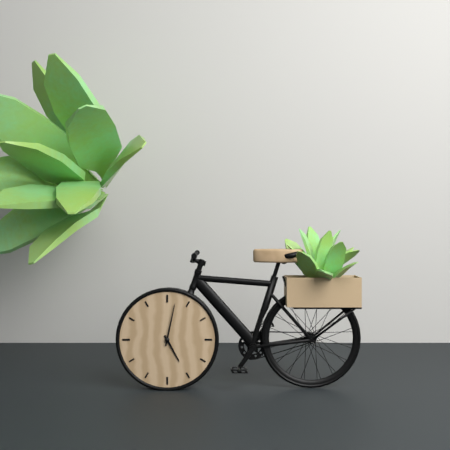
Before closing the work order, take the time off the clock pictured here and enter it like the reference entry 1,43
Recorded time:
5,02
